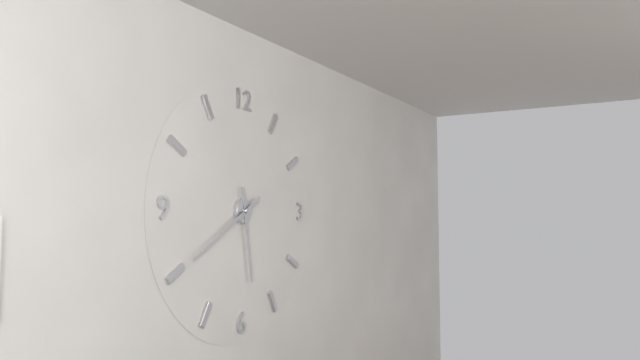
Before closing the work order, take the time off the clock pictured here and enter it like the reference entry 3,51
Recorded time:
5,40
